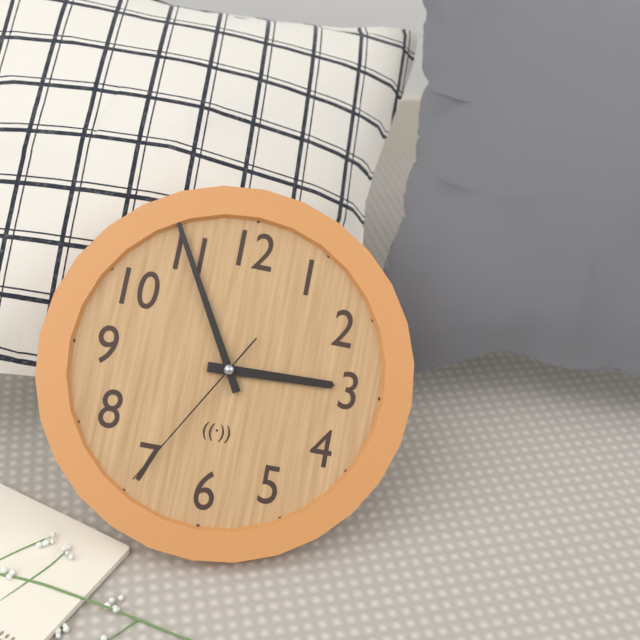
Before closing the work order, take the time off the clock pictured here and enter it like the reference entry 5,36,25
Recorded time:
2,55,35
